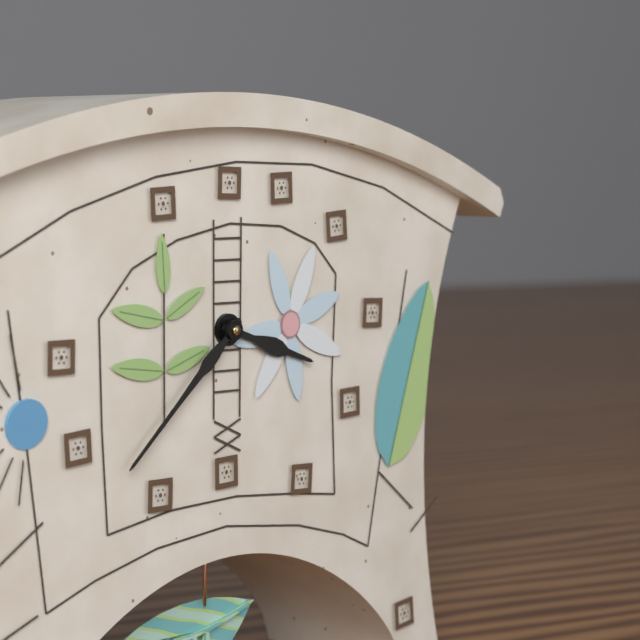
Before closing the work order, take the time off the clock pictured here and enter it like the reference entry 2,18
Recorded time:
3,38
